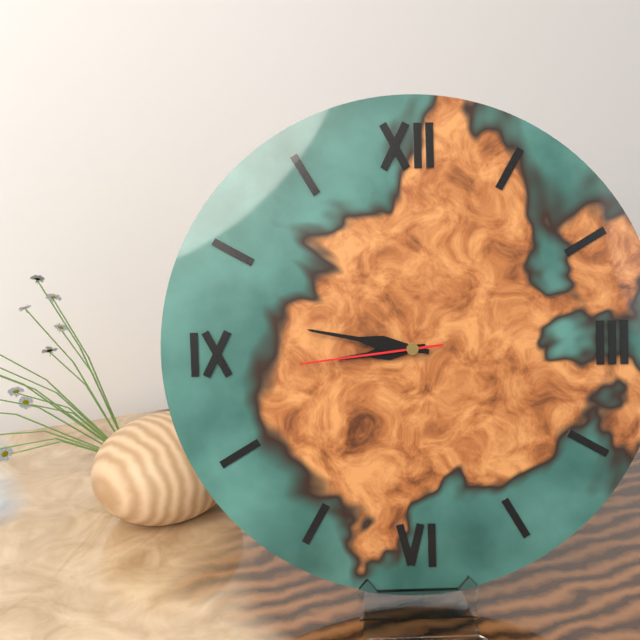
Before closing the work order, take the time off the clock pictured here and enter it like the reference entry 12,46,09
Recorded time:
8,47,44
